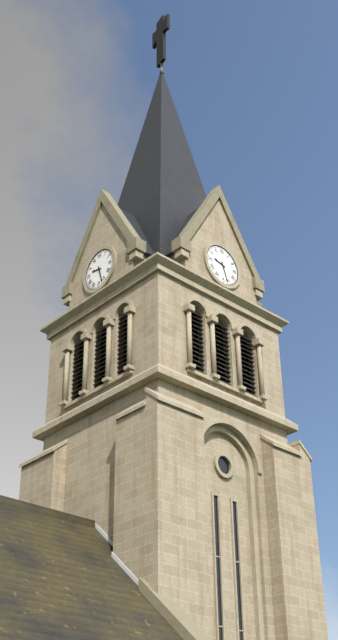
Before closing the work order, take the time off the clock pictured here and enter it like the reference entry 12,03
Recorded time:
9,27
